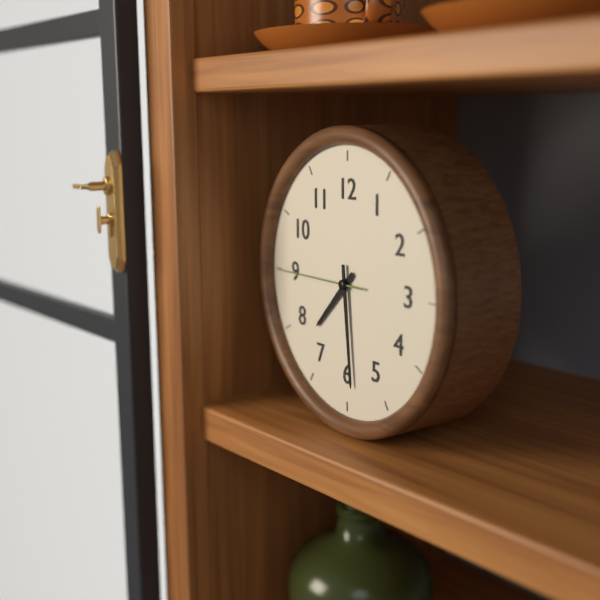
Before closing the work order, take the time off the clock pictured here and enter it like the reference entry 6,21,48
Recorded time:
7,29,45
